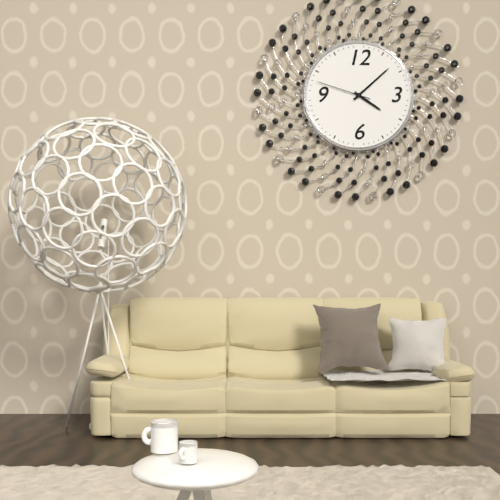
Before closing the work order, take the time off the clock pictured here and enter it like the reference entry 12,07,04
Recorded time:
4,08,48
